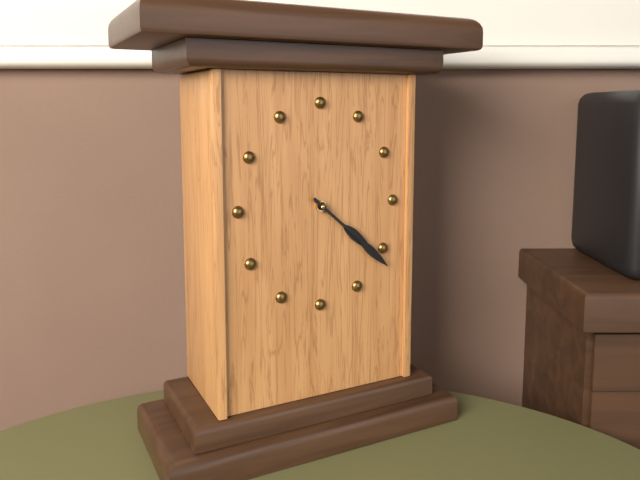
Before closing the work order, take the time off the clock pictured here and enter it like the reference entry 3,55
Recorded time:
4,22
